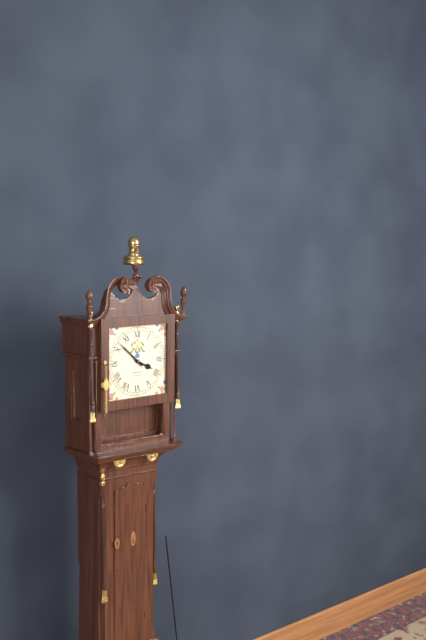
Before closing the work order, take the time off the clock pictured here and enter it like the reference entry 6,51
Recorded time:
3,52
